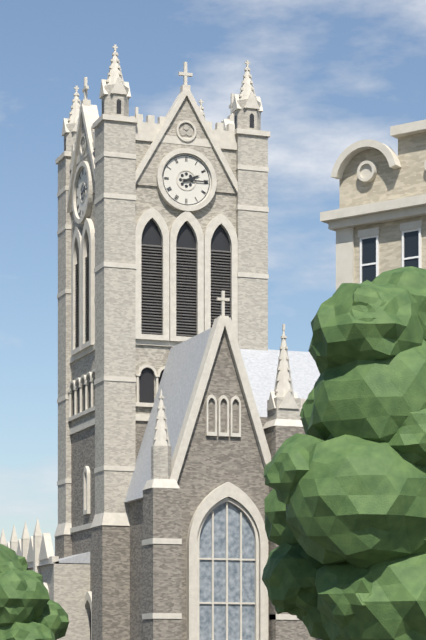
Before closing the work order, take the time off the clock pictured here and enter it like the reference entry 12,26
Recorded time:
2,15
